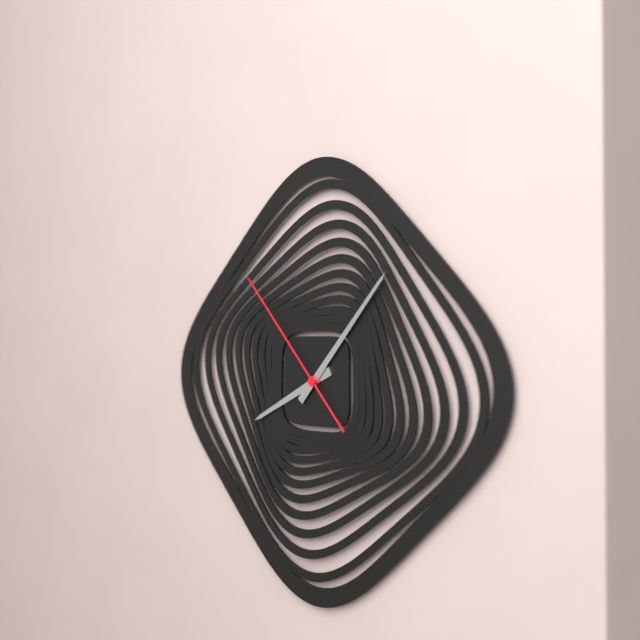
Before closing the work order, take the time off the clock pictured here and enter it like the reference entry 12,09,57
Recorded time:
8,07,53
